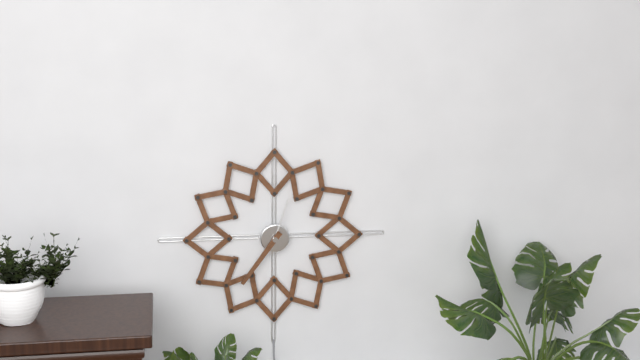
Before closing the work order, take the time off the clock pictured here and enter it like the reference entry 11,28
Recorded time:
12,36
